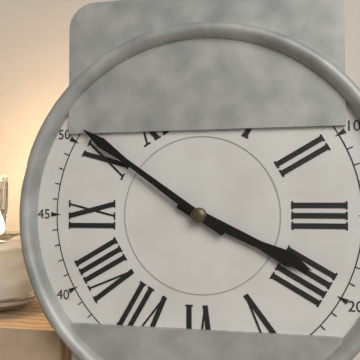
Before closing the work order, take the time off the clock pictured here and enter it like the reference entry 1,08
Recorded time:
3,51
